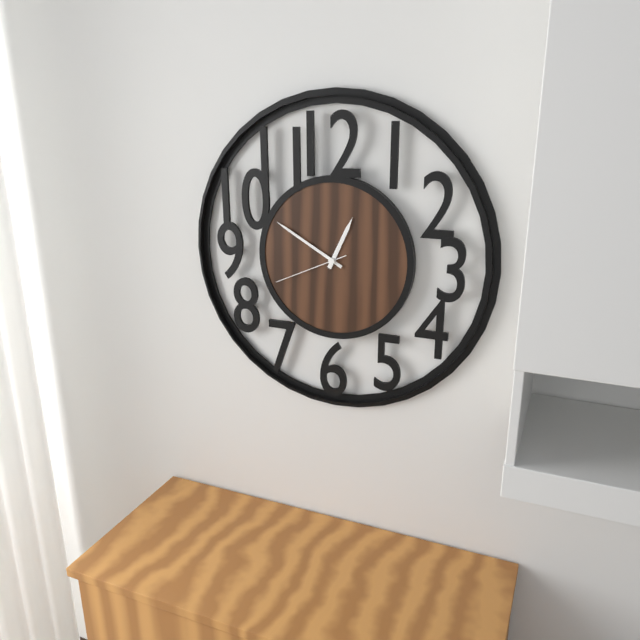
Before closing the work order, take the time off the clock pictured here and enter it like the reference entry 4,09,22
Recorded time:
12,50,41
